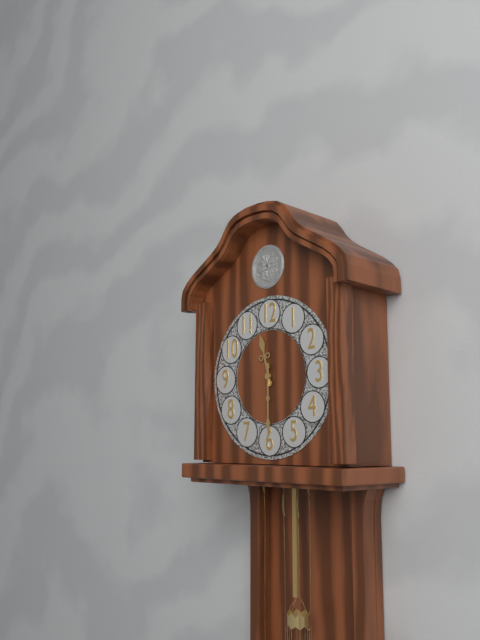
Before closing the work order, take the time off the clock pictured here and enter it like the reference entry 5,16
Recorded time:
11,30
